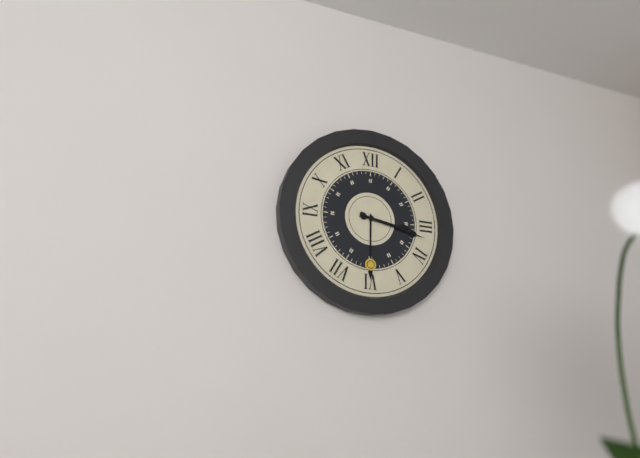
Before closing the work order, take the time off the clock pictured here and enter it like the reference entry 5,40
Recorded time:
3,17
